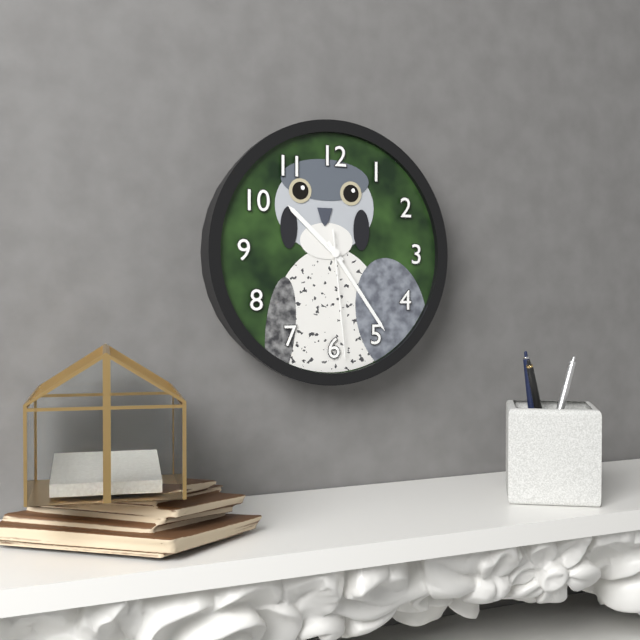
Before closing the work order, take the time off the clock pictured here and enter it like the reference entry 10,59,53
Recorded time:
10,24,29
